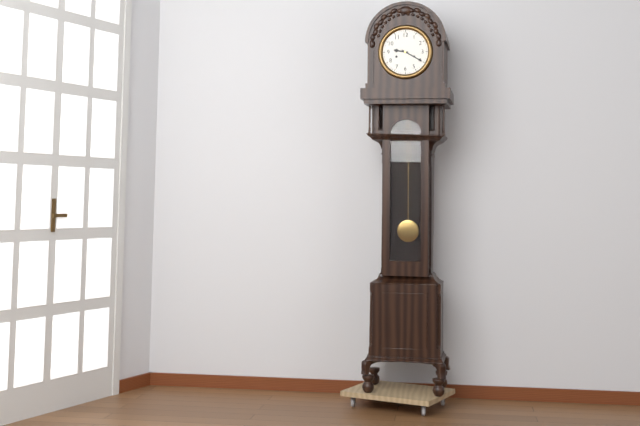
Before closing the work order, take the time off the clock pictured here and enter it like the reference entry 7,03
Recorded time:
9,20
